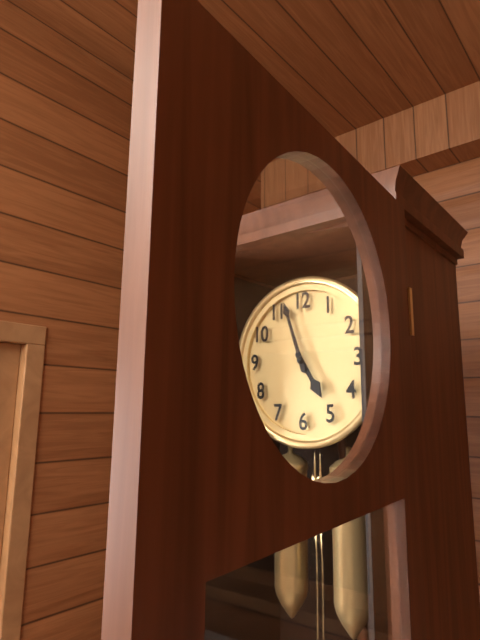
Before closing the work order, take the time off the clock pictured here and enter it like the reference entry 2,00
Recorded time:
4,57
